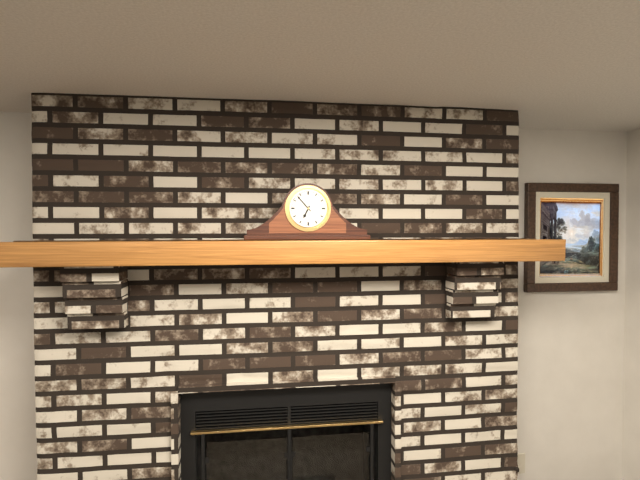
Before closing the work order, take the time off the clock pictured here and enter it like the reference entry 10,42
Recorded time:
6,53
